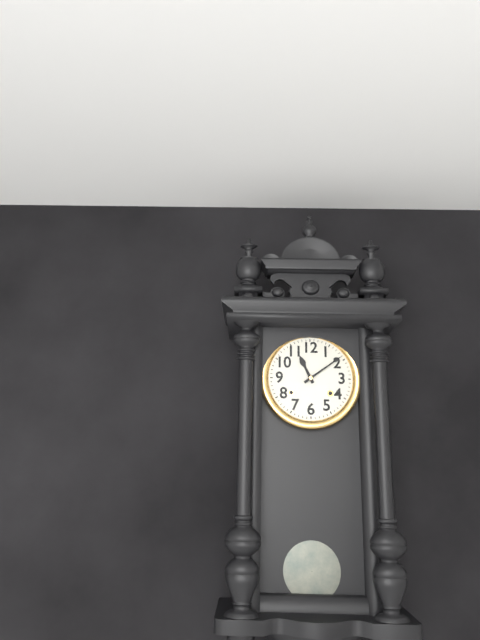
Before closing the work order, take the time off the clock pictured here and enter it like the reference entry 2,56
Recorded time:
11,09
